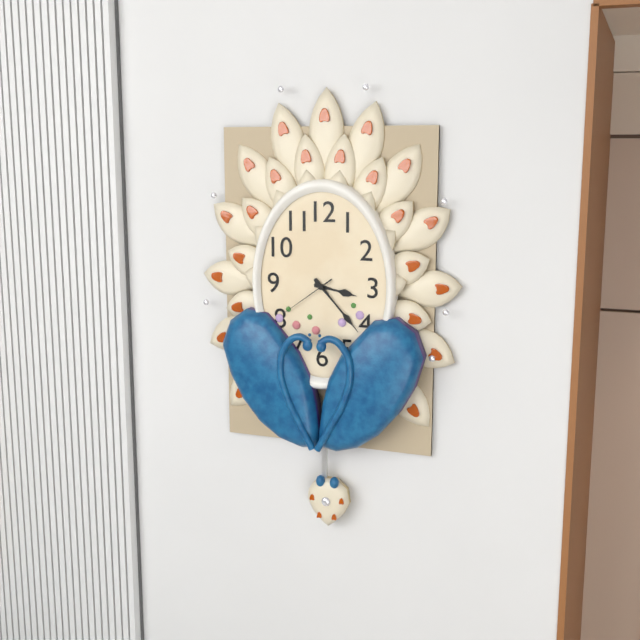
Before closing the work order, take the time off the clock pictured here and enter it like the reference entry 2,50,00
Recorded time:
3,23,39
